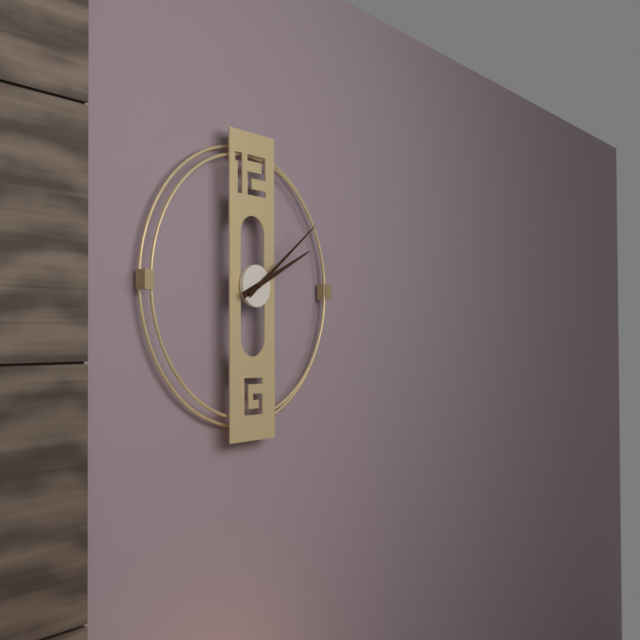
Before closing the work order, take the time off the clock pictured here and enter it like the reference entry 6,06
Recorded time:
2,09
